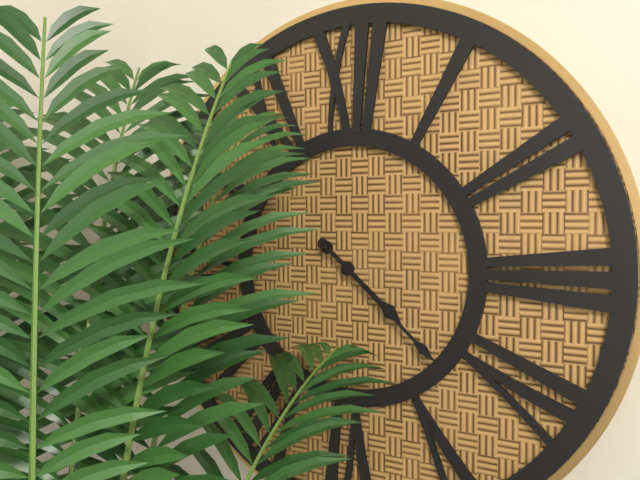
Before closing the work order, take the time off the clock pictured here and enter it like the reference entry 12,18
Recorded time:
4,22
